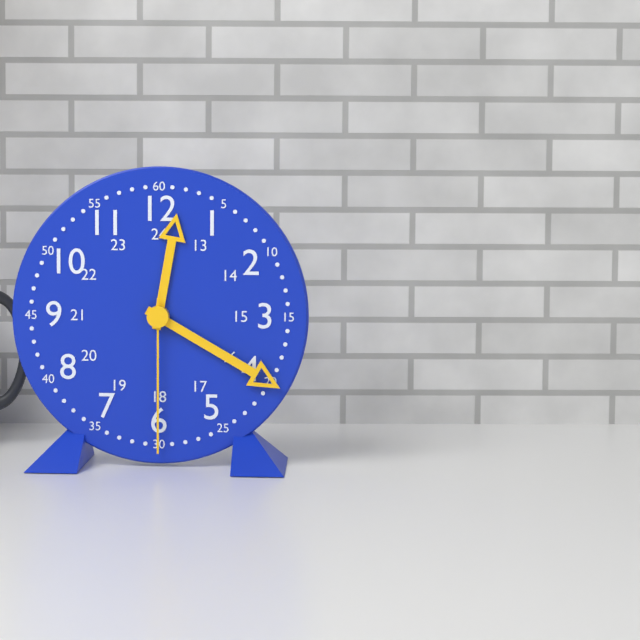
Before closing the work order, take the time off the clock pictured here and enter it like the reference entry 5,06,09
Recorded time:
12,20,30
